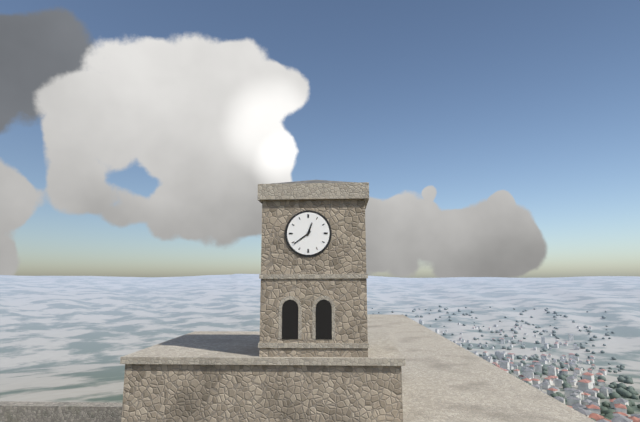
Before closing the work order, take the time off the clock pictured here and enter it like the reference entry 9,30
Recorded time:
12,39
